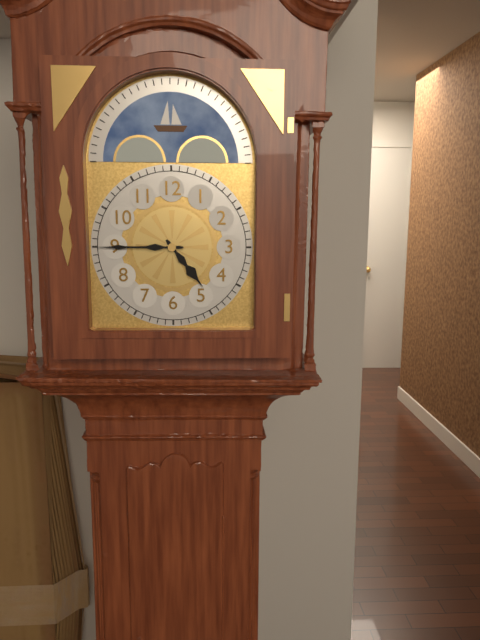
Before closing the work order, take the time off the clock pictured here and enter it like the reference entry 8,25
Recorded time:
4,45
